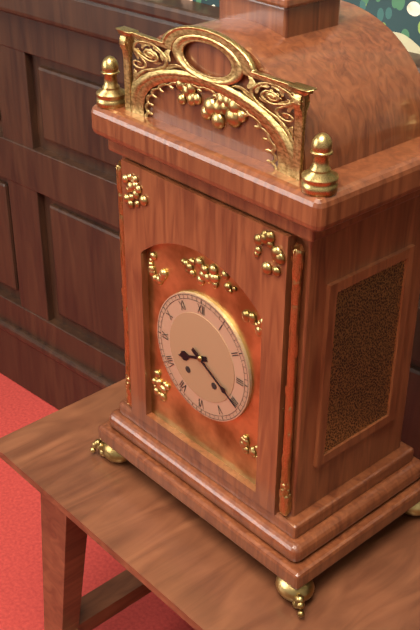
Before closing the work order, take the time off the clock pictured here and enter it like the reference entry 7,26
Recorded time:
8,20
